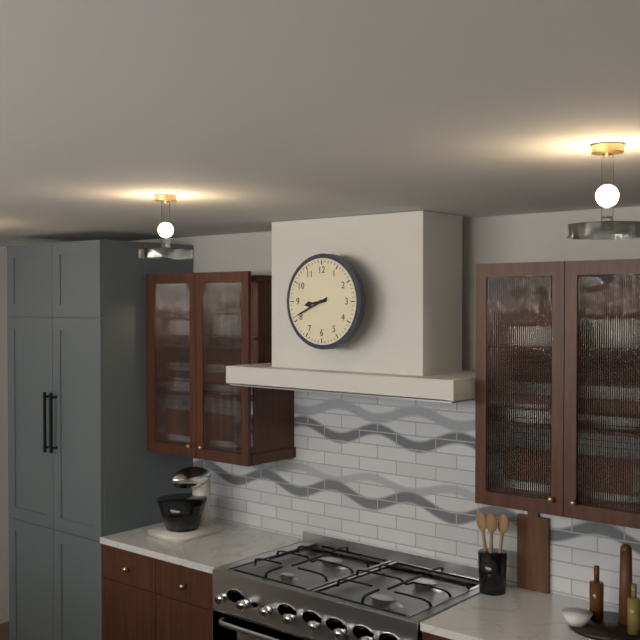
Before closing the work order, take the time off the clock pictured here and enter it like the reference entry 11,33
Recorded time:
8,41
